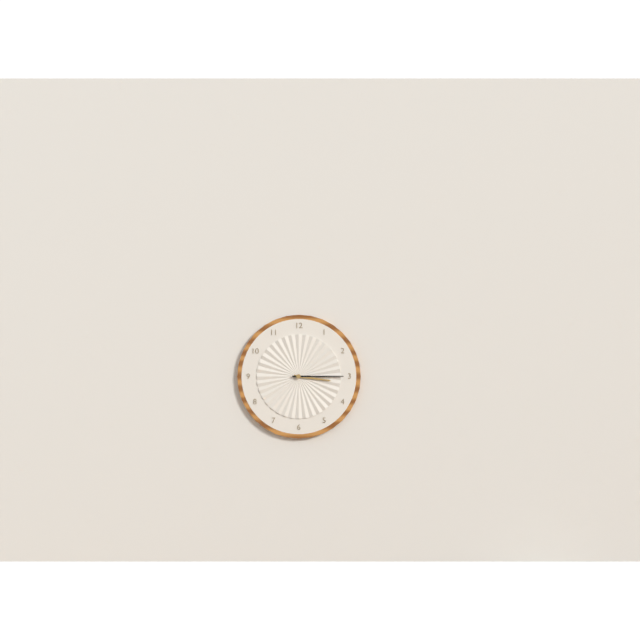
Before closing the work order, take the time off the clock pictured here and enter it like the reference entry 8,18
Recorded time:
3,15
